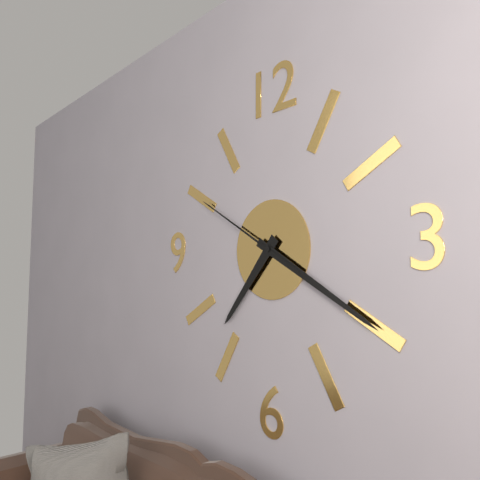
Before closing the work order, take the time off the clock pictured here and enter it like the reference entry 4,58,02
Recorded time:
7,20,50
